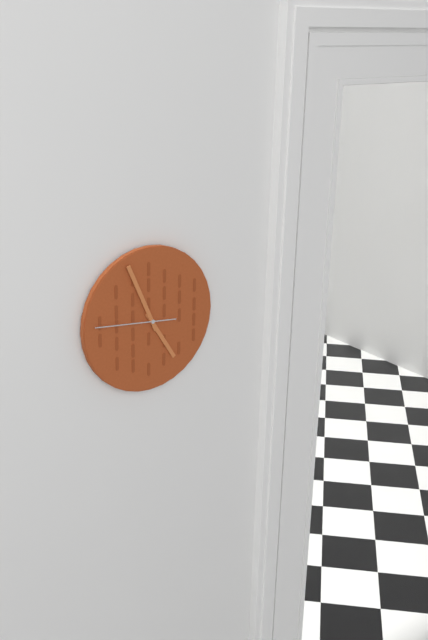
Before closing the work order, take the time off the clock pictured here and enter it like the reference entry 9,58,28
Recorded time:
4,56,46
